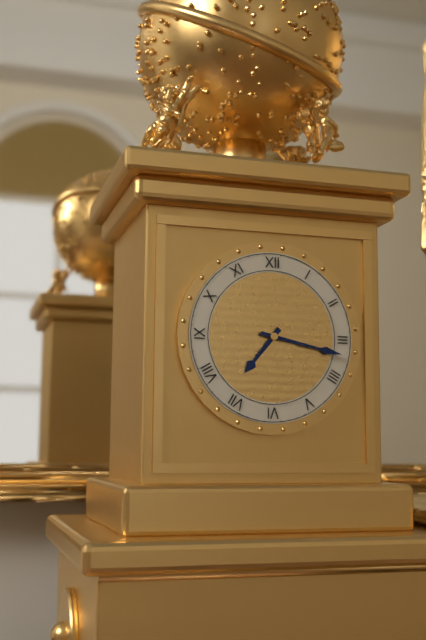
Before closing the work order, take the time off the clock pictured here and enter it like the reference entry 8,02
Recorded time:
7,17
